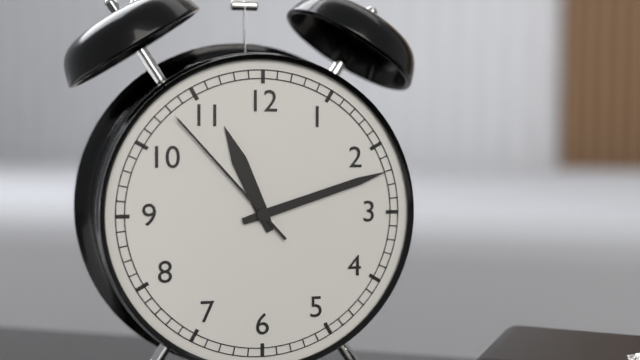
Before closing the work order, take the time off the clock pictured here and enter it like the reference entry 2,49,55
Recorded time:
11,12,53
